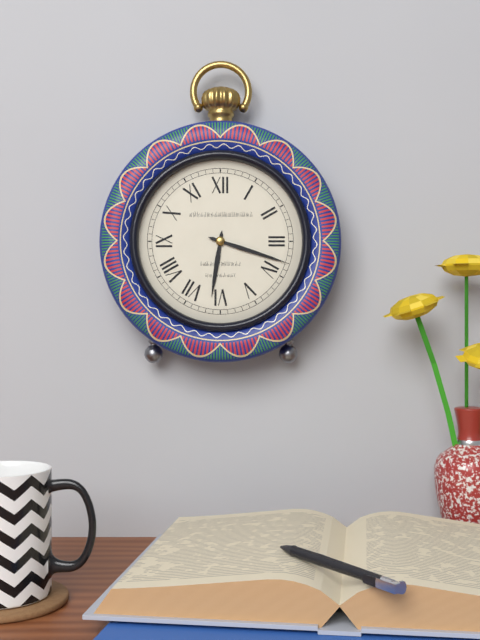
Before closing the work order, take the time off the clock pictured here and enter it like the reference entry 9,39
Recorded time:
6,18
